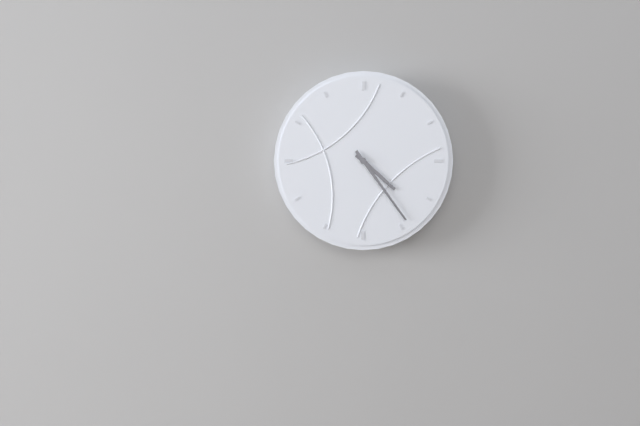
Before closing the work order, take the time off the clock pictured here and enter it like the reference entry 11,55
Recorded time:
4,24
